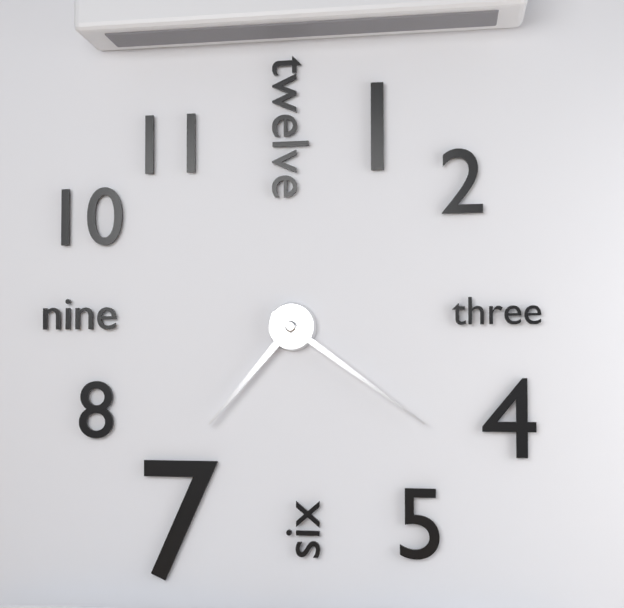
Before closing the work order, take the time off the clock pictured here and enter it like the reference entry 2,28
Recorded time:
7,21
